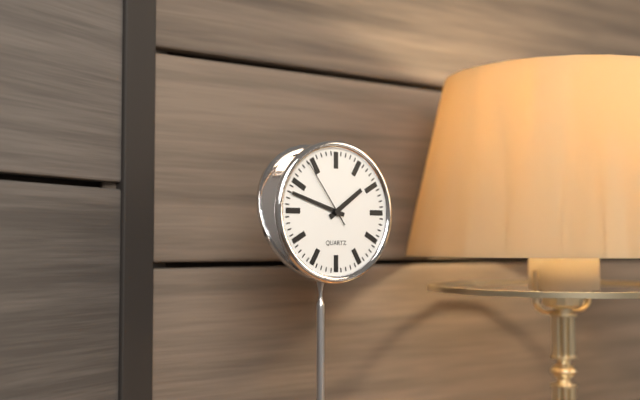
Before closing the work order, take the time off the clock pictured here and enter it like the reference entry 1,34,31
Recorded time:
1,48,54
